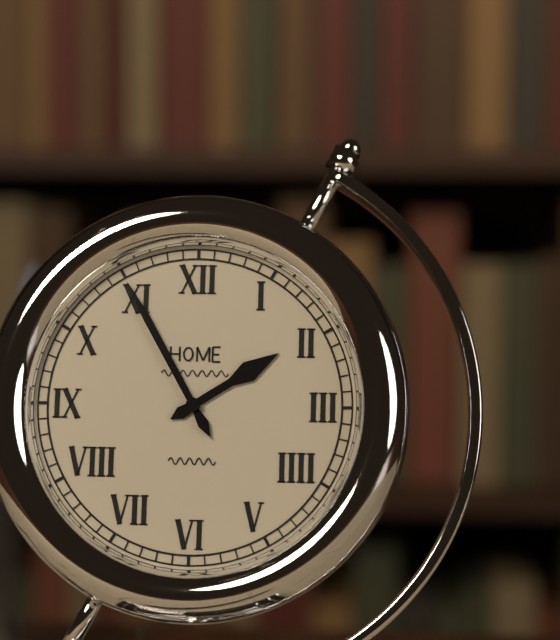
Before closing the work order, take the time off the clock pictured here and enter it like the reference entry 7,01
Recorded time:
1,55
